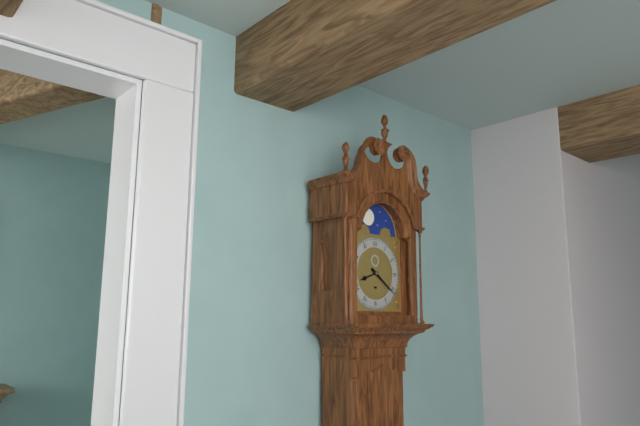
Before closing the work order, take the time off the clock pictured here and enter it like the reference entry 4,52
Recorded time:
8,21
